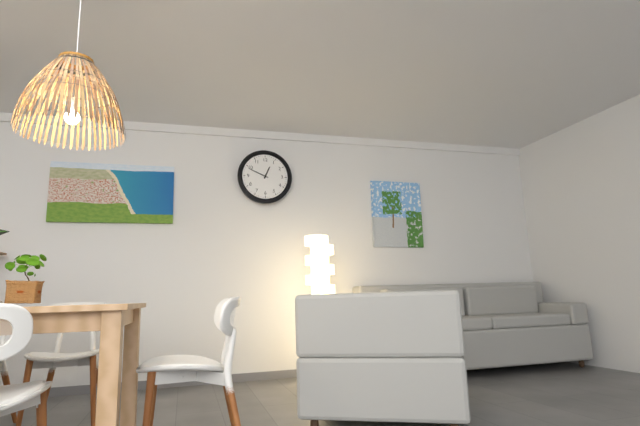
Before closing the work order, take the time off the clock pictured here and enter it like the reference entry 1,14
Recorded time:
12,49
